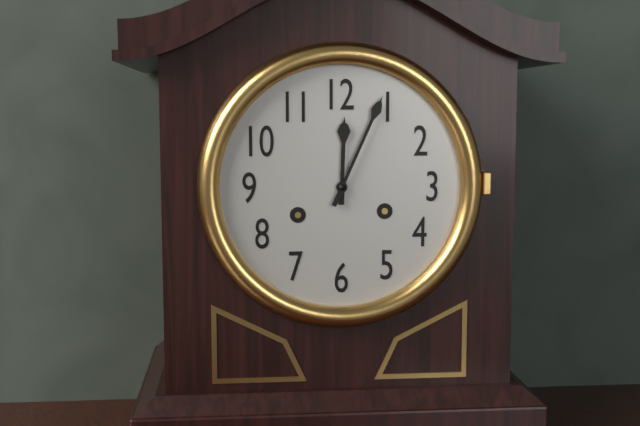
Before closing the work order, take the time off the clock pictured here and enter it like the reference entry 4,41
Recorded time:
12,04
